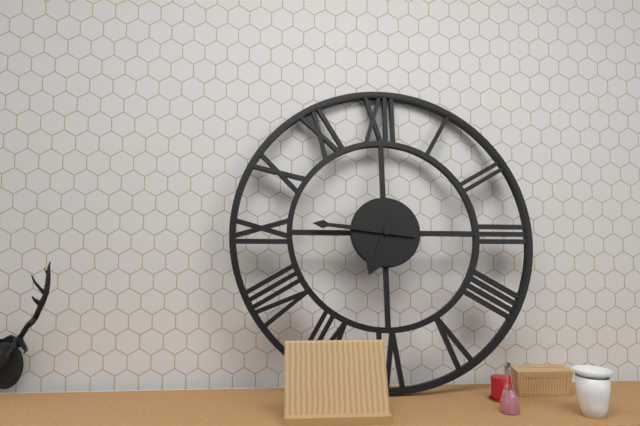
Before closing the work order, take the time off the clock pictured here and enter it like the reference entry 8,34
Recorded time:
6,46
